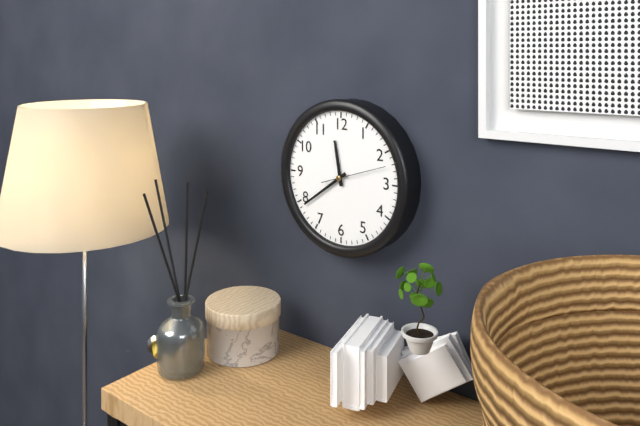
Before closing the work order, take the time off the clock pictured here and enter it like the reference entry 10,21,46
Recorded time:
11,39,12
